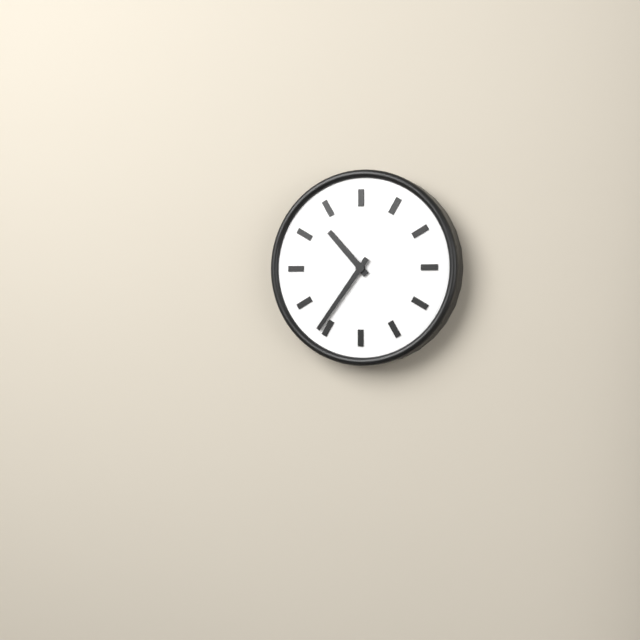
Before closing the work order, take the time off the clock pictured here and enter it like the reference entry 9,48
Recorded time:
10,36
